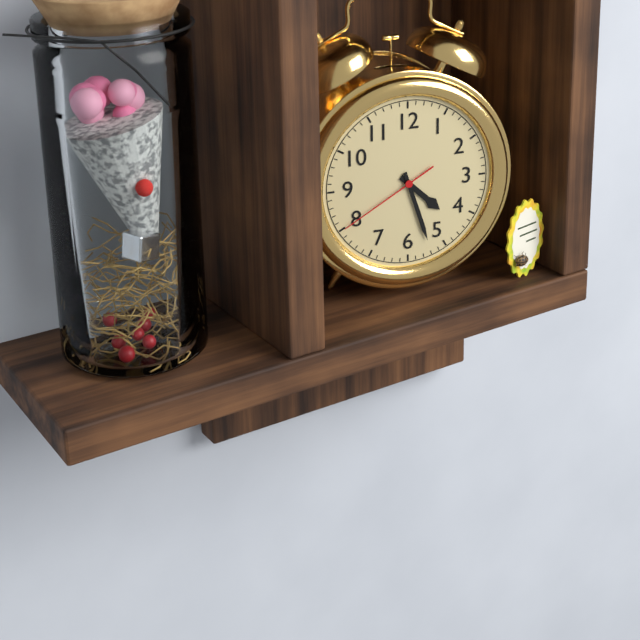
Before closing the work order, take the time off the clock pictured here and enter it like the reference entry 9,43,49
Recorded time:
4,27,40
